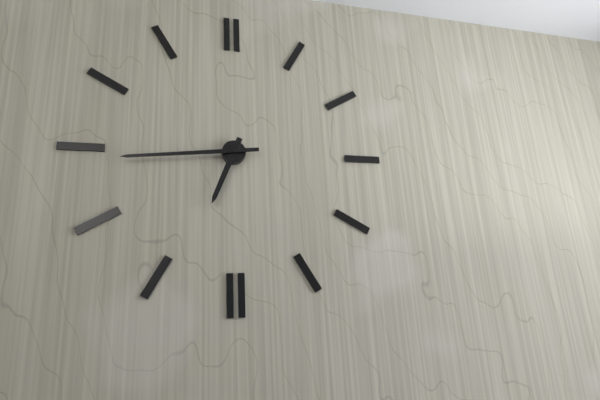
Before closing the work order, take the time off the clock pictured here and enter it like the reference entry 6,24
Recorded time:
6,44
